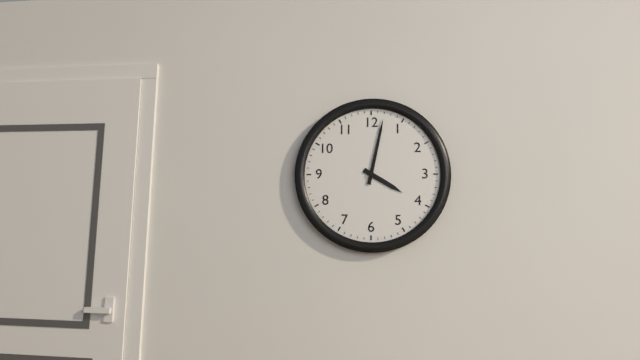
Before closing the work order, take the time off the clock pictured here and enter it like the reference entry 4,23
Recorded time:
4,02
